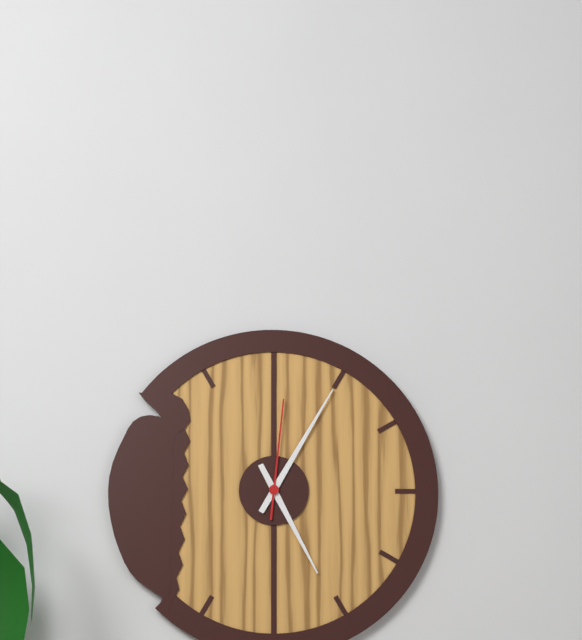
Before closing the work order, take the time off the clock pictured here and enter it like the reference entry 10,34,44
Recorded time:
5,05,01
